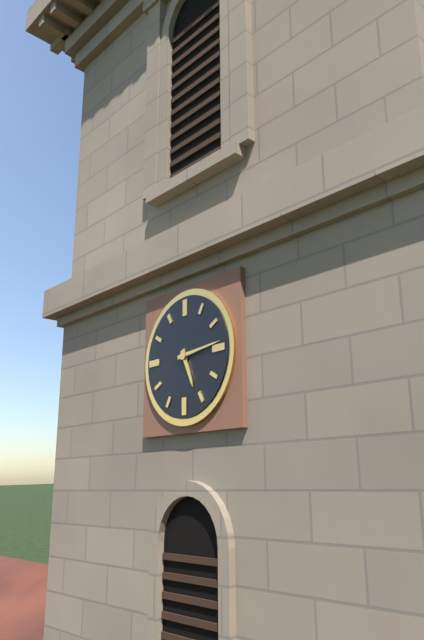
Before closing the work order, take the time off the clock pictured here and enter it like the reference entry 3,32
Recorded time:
5,14
